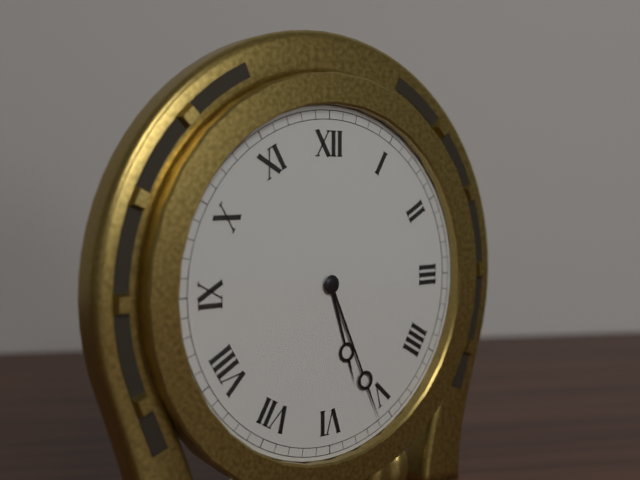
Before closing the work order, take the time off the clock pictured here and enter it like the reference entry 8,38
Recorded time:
5,26
